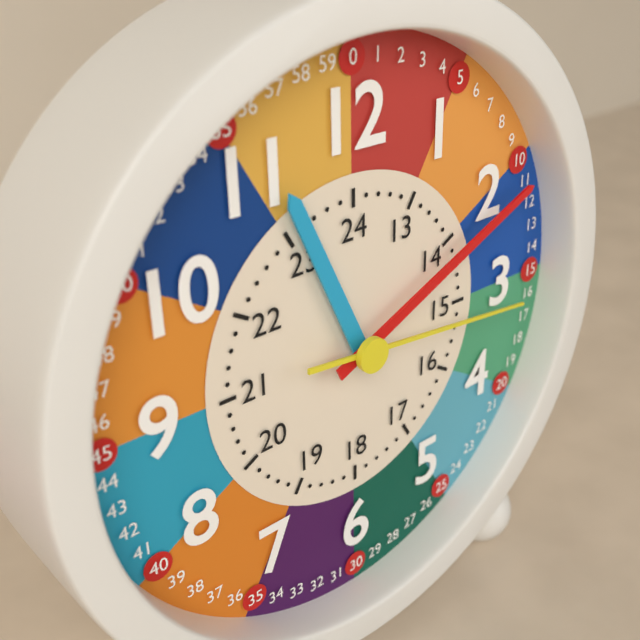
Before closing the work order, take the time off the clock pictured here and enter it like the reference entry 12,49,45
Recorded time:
11,11,16
